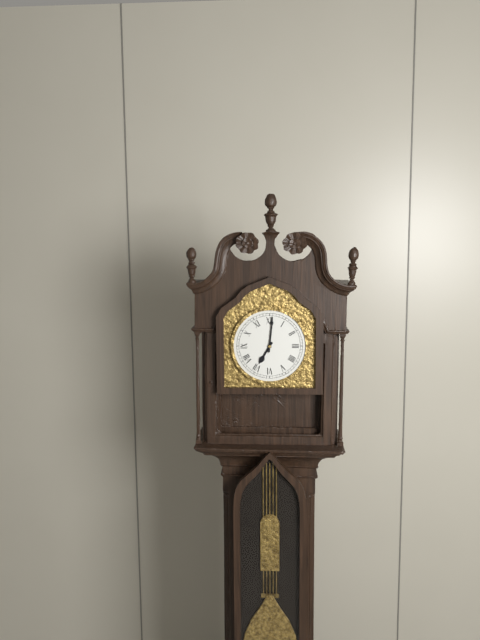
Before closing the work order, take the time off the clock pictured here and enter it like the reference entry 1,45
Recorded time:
7,01
